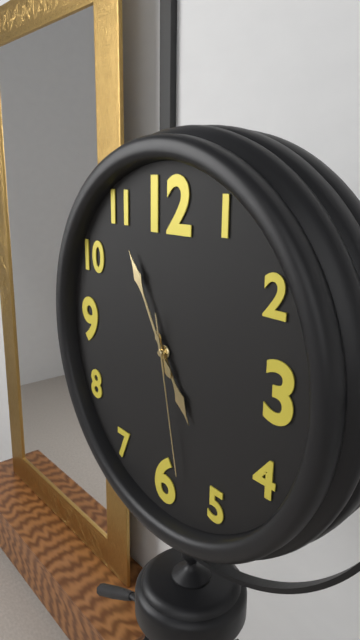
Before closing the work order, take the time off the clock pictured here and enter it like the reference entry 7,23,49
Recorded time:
4,55,28
